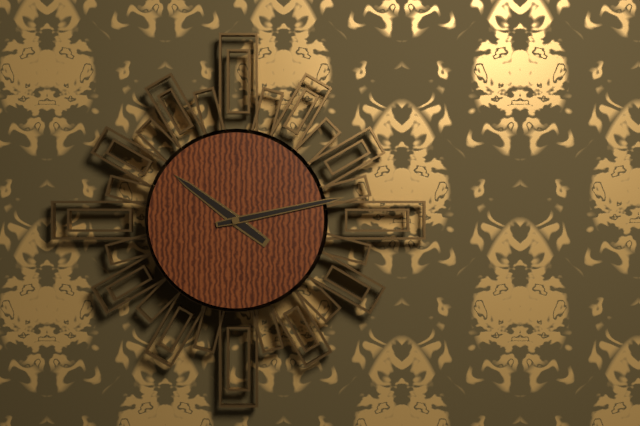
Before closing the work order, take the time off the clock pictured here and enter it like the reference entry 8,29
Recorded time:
10,13
